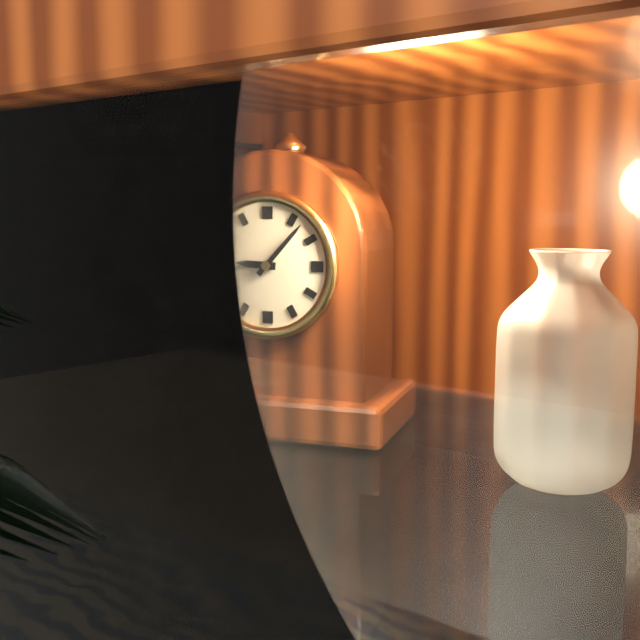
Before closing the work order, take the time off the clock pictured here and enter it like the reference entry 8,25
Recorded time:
9,07
